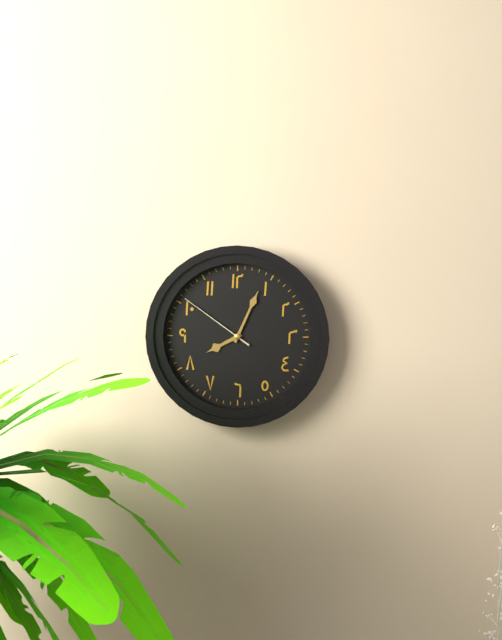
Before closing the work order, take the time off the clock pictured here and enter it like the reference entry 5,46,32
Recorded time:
8,04,51
